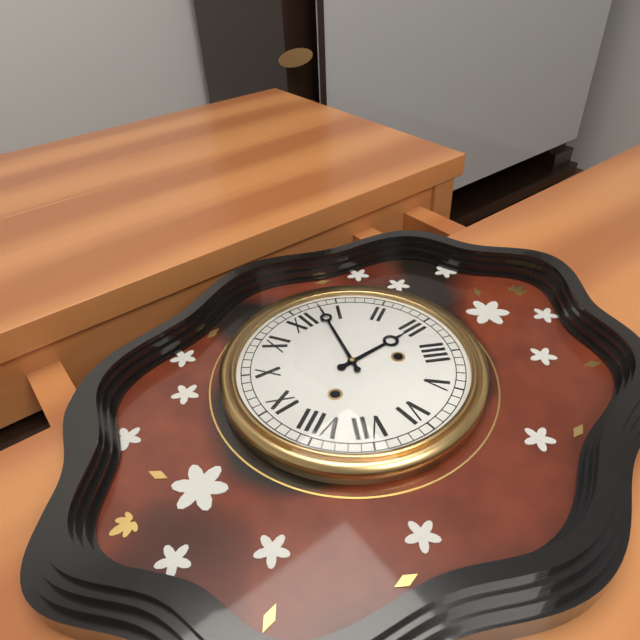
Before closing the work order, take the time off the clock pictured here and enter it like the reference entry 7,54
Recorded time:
3,03
